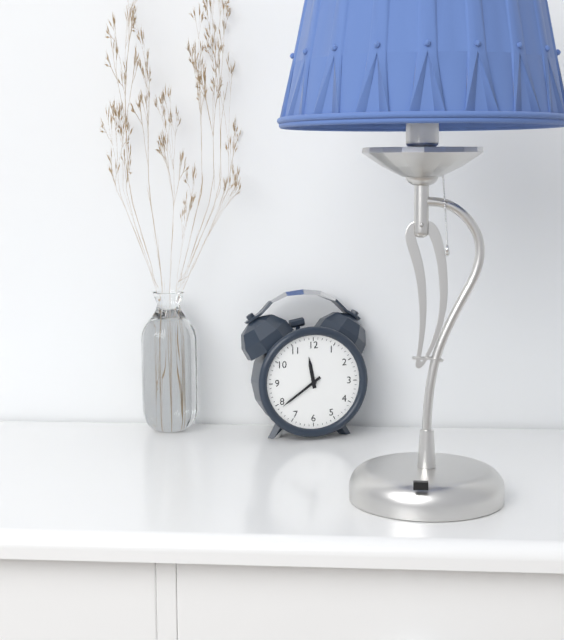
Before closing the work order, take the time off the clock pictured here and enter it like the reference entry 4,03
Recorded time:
11,39
